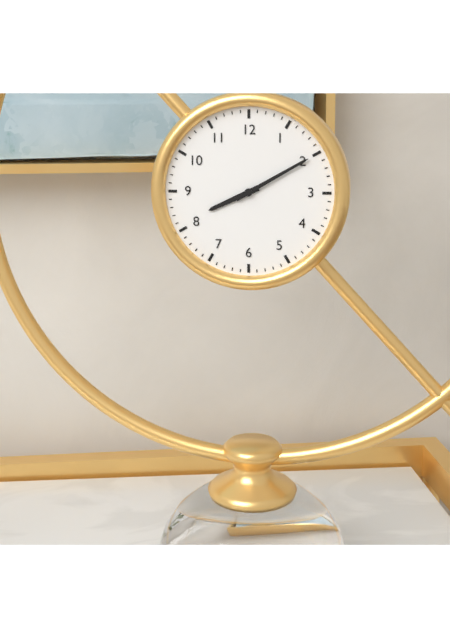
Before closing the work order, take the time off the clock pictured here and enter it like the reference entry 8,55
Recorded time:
8,10
